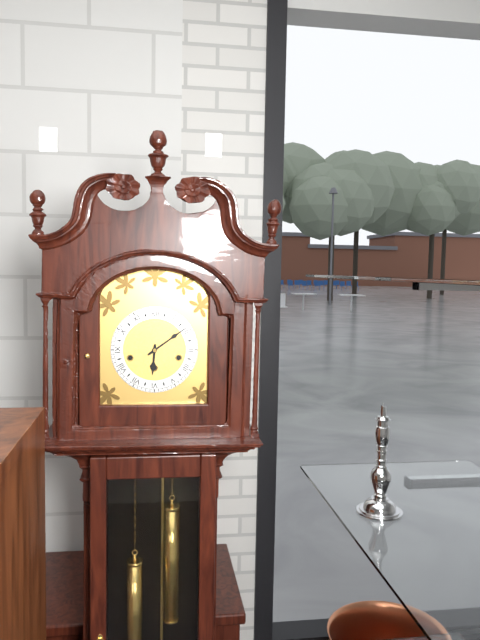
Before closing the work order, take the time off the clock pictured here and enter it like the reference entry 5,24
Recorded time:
6,09
